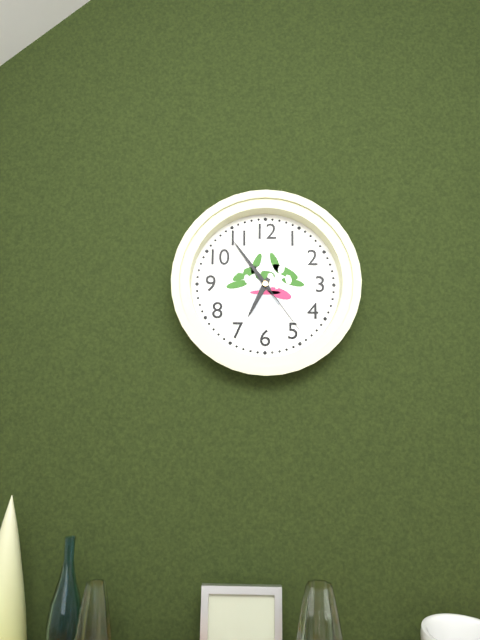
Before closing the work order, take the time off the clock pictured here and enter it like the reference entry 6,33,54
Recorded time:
6,54,24
